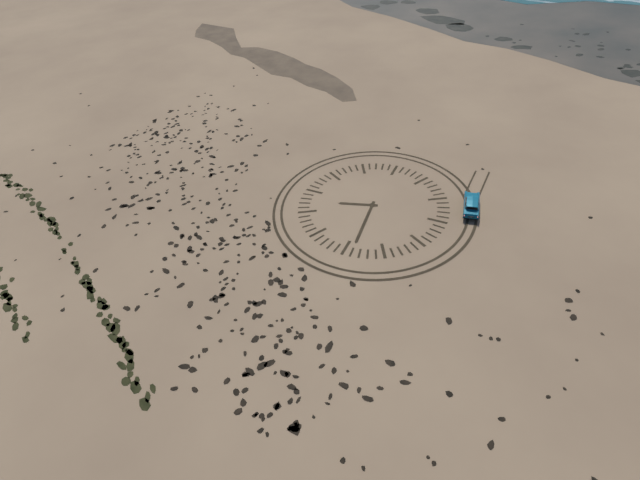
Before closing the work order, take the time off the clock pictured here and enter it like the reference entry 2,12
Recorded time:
8,29
